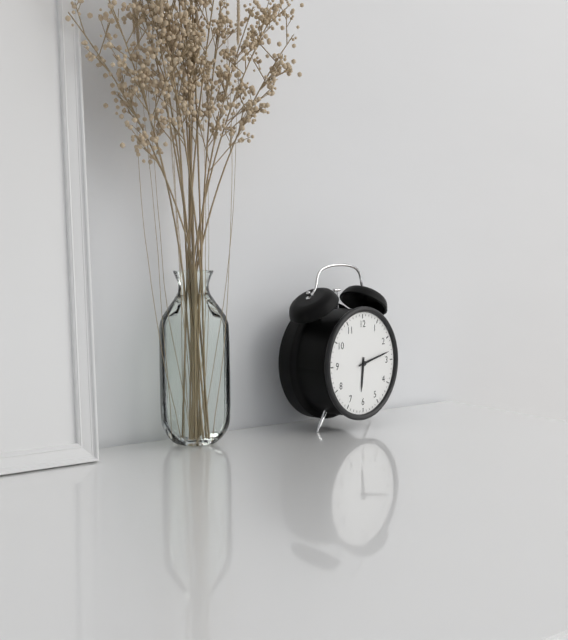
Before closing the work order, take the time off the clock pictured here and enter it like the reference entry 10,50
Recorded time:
6,13
